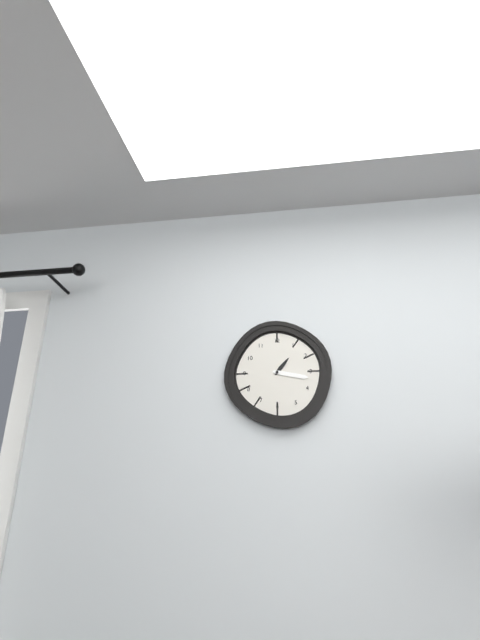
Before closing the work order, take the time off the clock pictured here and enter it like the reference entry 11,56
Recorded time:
1,17
